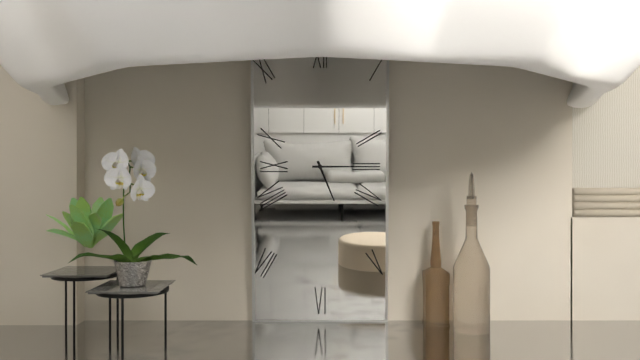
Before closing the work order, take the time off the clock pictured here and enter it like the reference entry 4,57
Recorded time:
5,15
